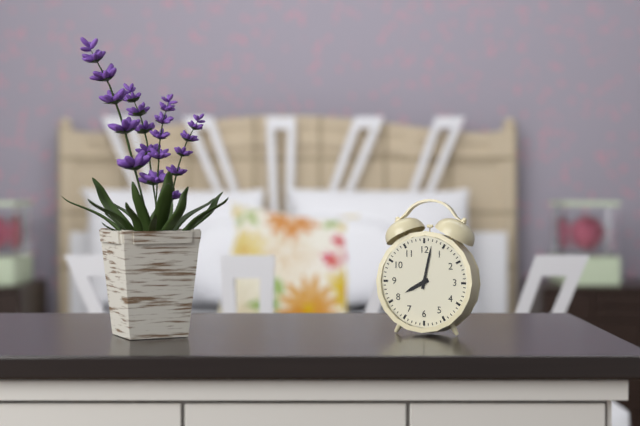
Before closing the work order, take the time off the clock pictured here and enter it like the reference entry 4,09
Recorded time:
8,02
